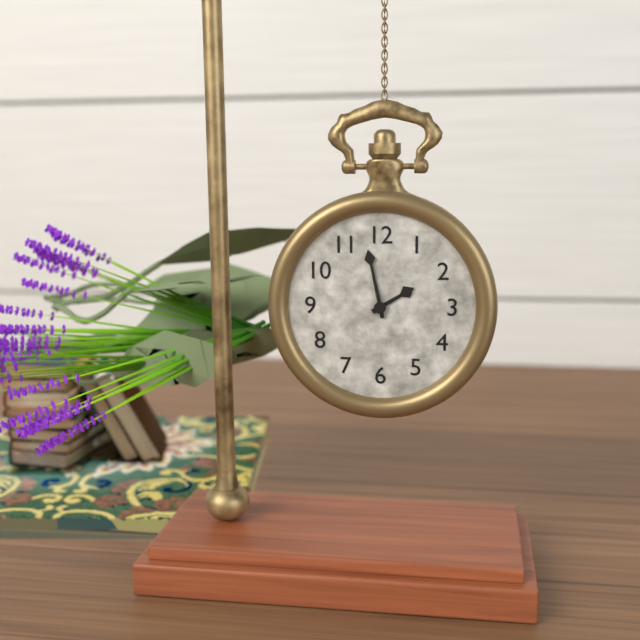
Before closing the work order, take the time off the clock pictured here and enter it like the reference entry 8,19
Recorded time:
1,58
